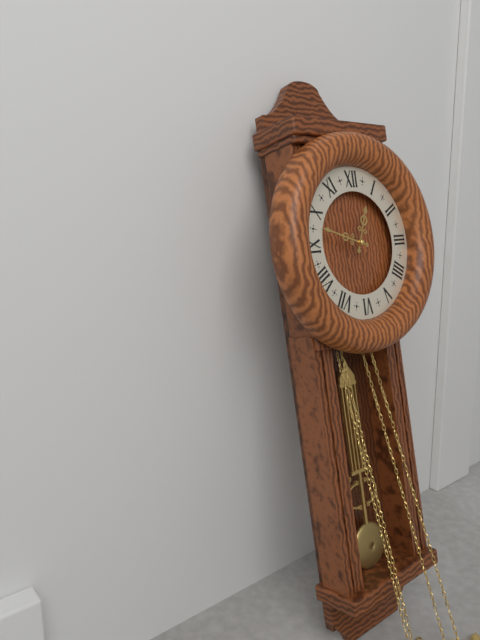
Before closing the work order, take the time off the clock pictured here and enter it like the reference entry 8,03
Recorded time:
12,48
